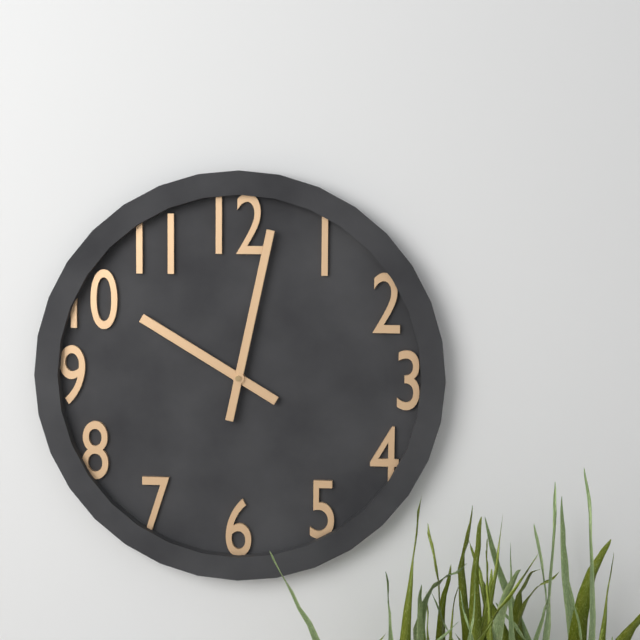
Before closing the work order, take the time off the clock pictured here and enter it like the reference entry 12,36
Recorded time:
10,02
